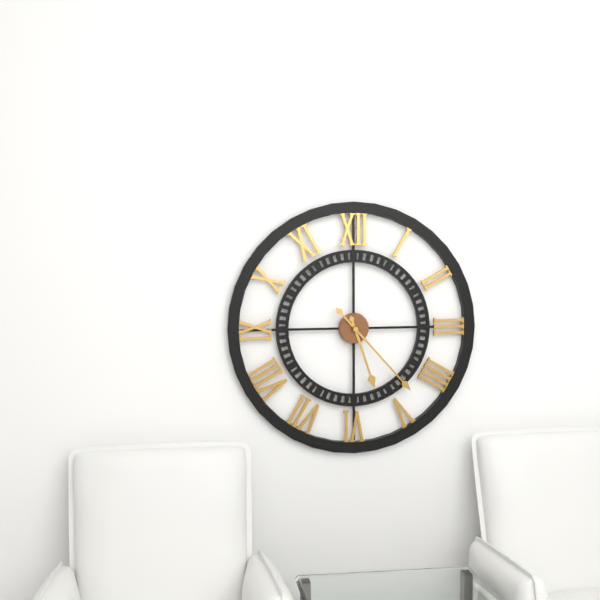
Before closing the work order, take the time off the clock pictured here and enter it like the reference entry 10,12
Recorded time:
5,23
